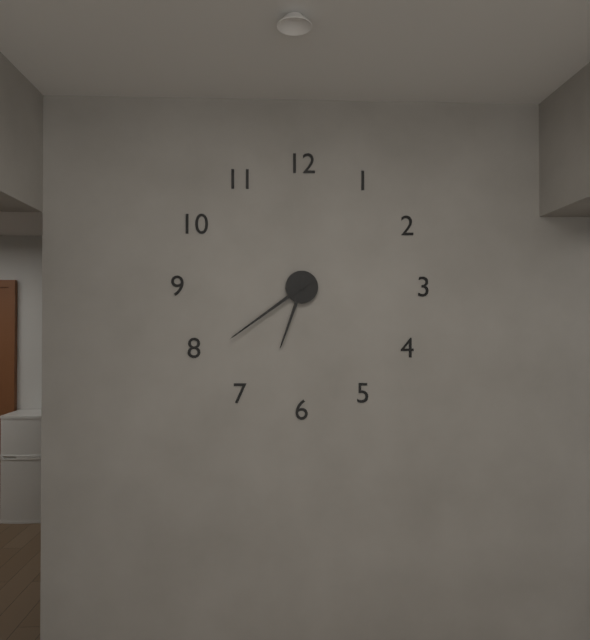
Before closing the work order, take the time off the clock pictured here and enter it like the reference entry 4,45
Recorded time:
6,39
